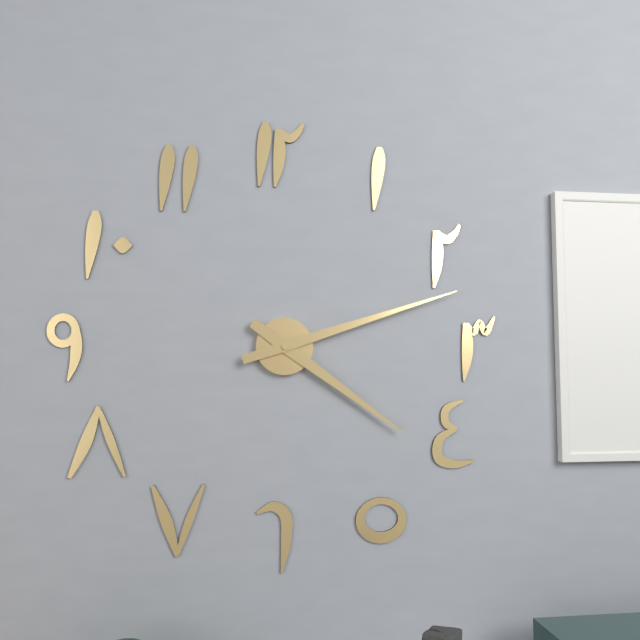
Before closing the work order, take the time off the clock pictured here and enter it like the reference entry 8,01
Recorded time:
4,12
